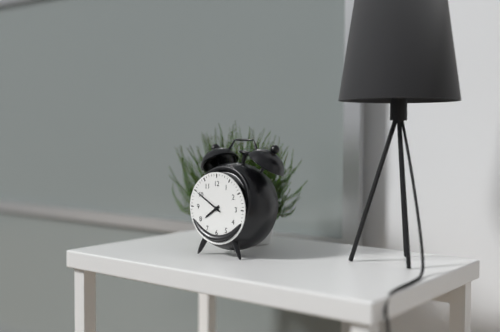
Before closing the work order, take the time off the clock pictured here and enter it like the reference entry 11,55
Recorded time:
7,50
